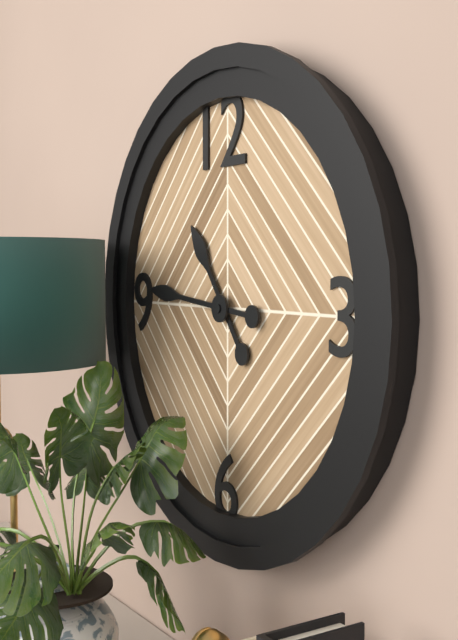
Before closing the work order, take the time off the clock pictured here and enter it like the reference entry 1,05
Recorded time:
10,46
